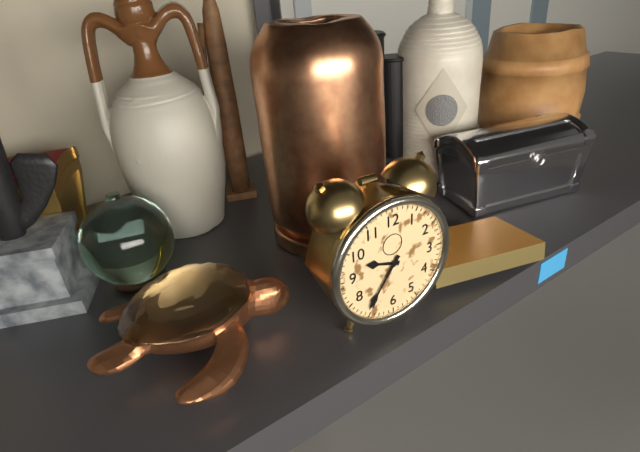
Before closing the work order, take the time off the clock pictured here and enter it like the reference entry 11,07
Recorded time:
9,36
